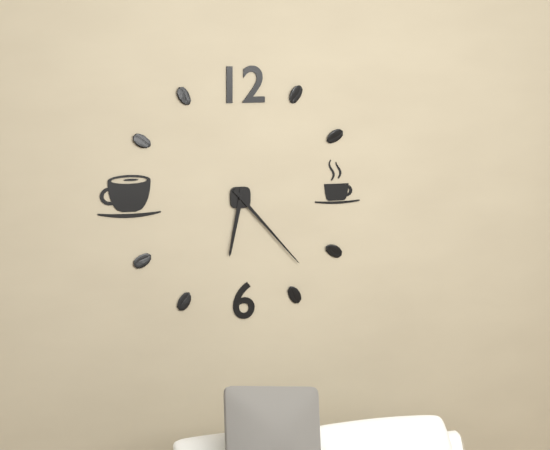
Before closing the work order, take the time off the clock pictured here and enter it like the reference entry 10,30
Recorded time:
6,23
